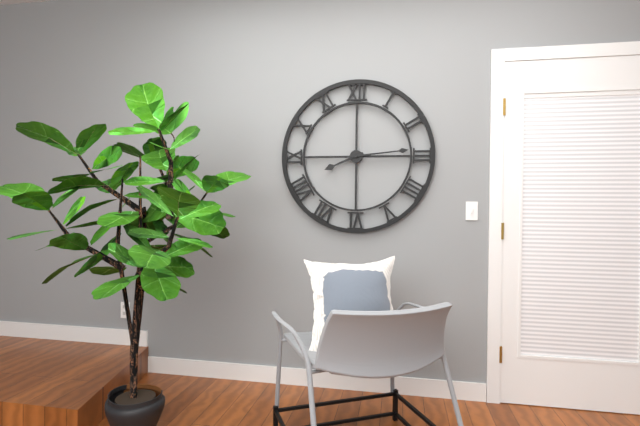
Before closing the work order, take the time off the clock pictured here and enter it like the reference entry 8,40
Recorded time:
8,14
